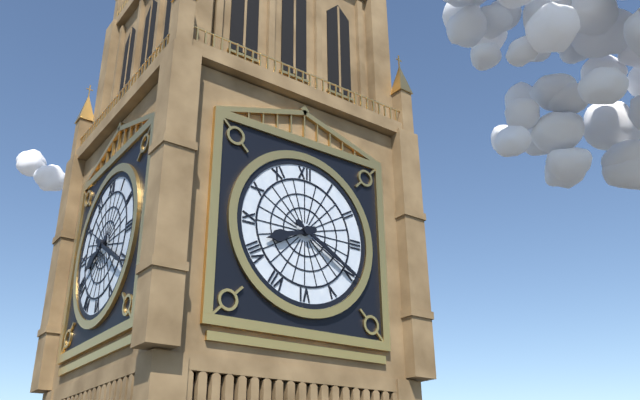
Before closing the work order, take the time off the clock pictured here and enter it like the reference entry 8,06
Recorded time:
8,20
